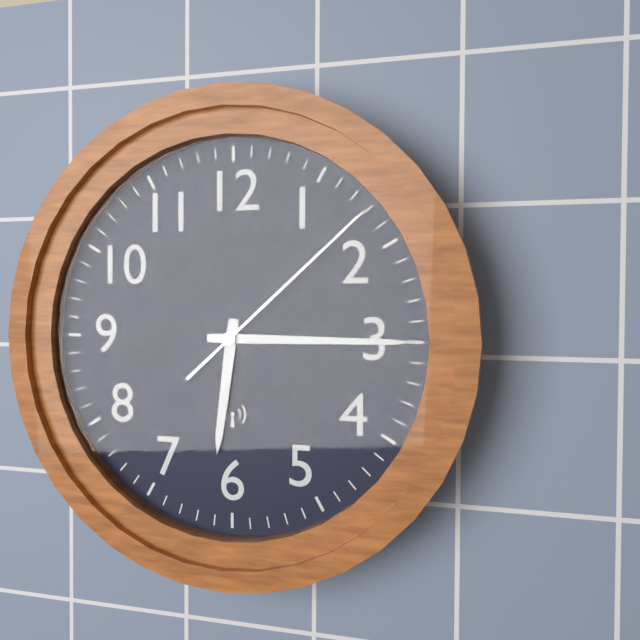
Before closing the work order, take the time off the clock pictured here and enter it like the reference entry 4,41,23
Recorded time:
6,15,08
